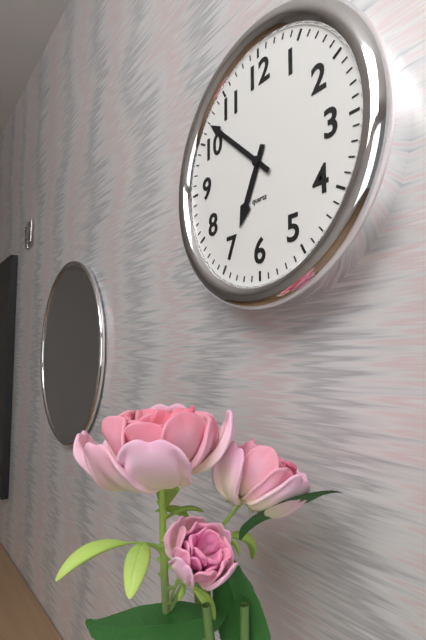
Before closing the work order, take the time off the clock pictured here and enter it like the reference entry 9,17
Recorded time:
6,52
